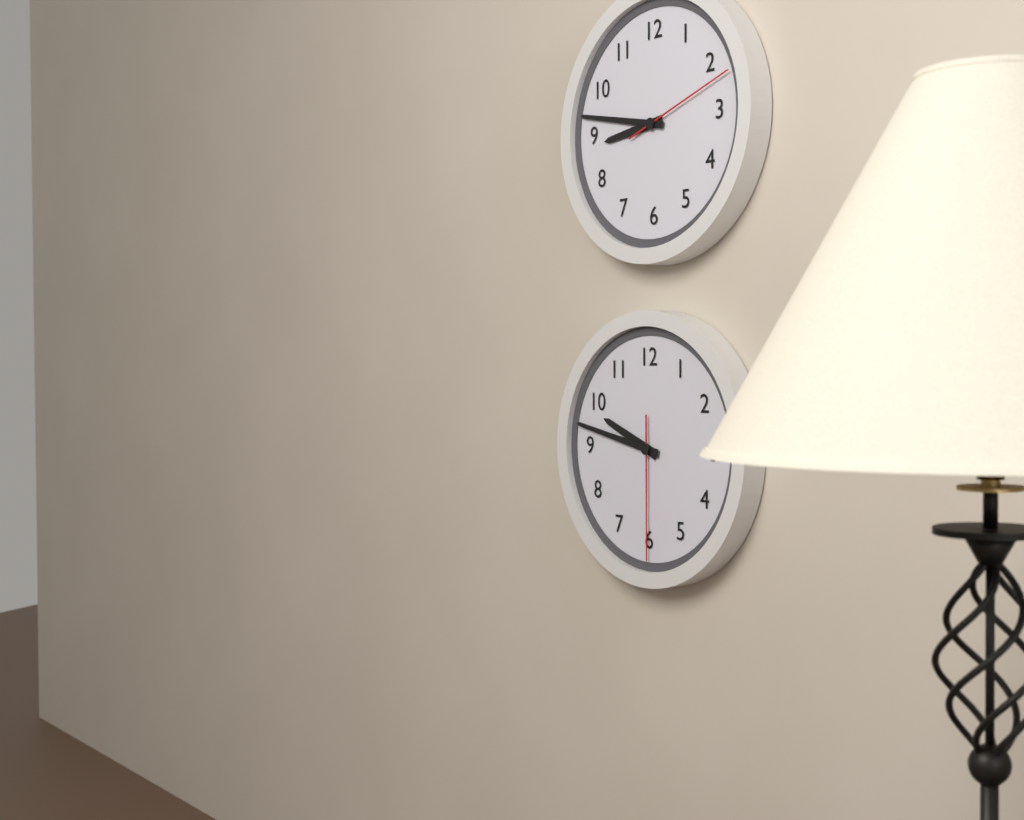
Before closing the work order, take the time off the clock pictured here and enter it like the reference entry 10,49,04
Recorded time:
9,47,30
